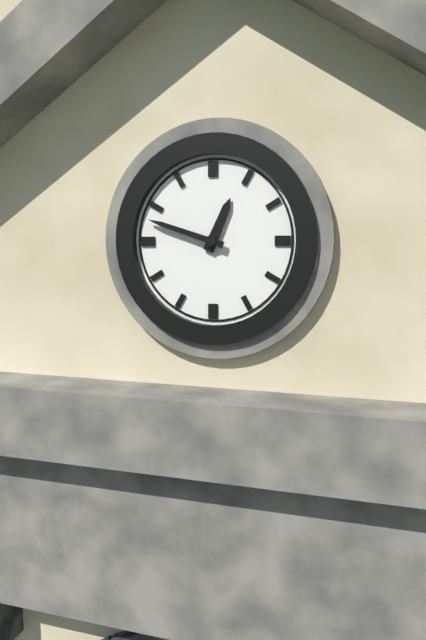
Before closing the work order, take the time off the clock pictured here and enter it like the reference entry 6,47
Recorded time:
12,48
